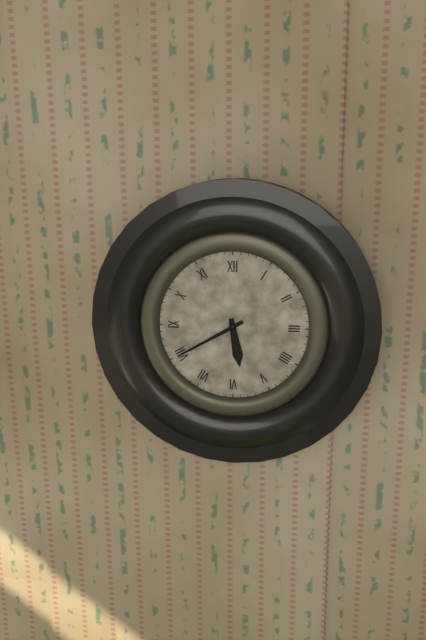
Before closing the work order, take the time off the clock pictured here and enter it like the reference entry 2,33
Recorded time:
5,40
